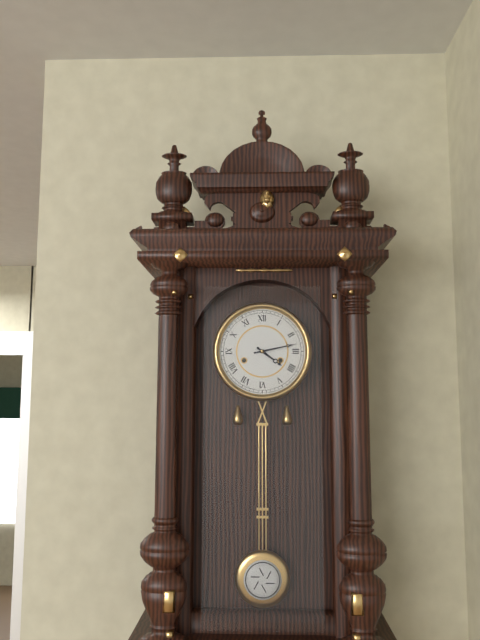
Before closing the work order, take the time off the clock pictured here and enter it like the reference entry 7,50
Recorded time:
4,13
